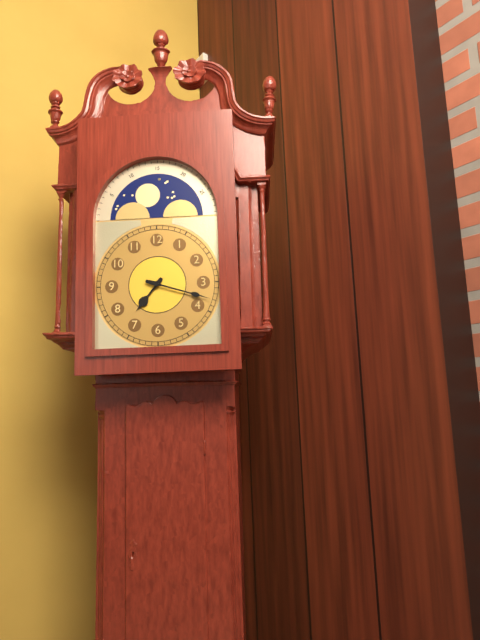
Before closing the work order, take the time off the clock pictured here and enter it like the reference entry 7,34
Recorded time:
7,18
